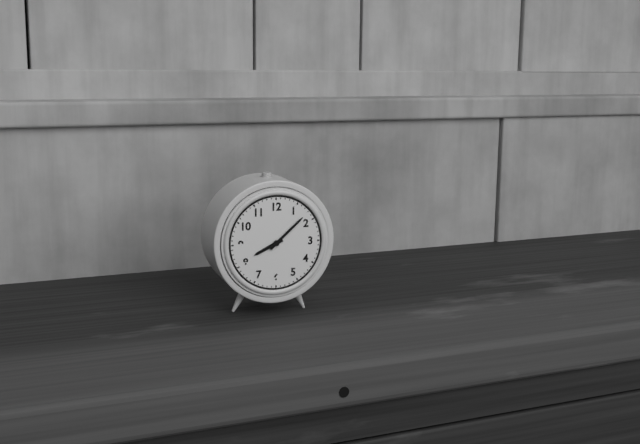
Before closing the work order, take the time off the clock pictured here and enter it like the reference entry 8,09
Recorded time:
8,08
